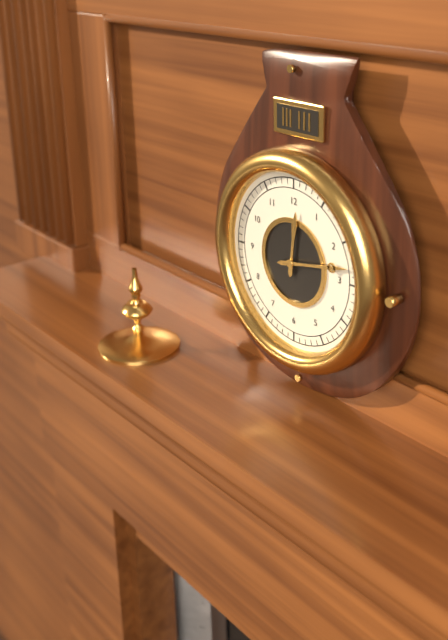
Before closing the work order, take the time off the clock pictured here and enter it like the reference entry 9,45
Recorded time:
12,13
